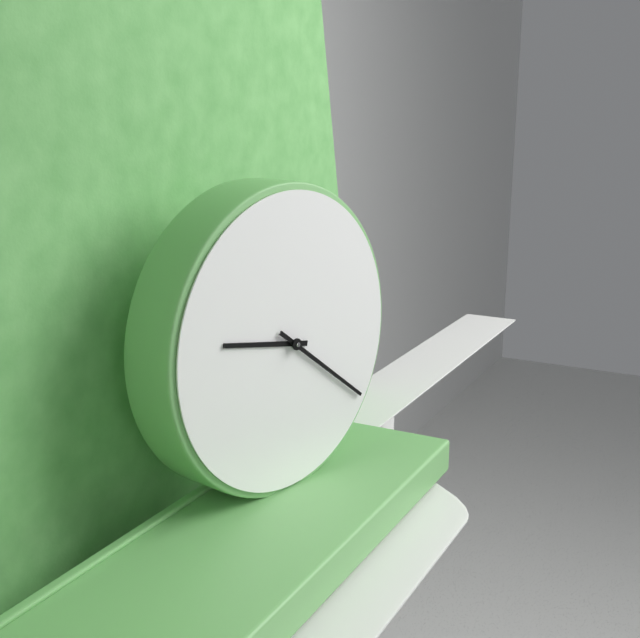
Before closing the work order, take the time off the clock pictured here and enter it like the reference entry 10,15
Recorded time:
9,21
